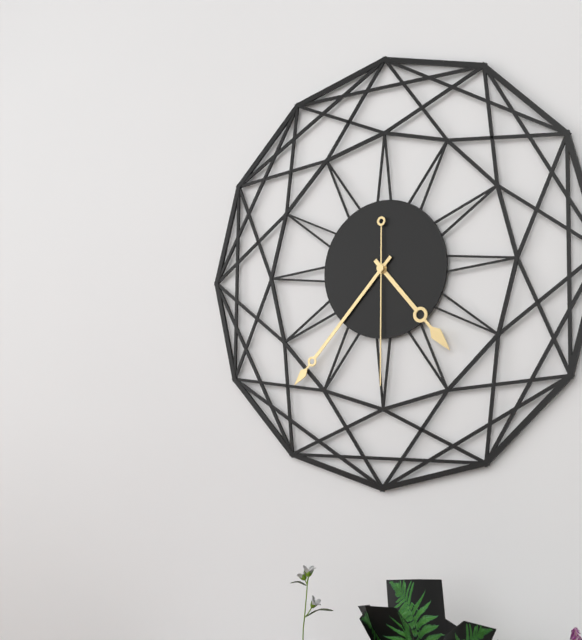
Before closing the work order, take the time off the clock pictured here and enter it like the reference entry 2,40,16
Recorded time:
4,37,30
